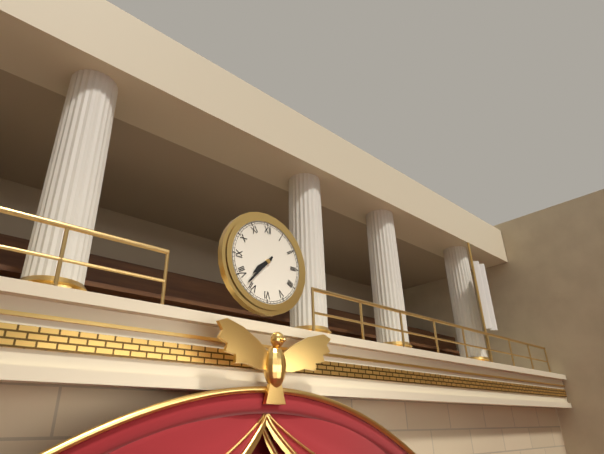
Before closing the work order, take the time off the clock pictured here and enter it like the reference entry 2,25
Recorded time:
7,37
